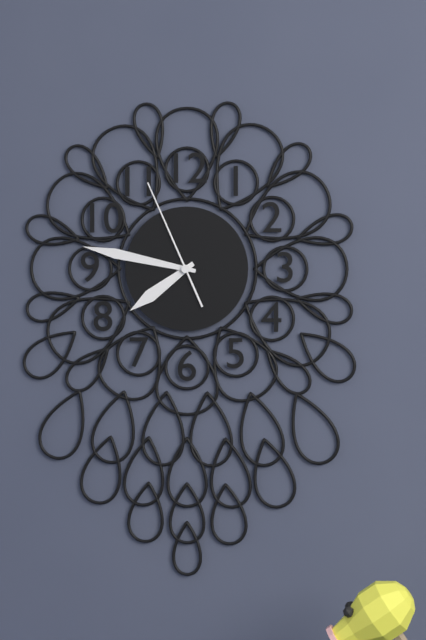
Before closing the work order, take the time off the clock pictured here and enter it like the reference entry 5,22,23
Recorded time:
7,47,56
